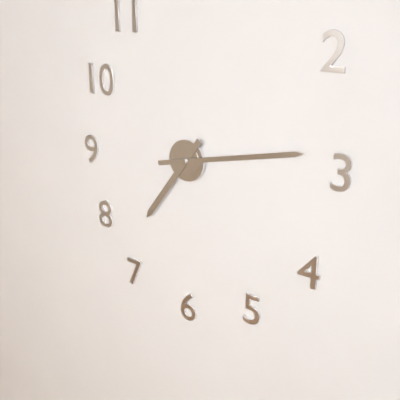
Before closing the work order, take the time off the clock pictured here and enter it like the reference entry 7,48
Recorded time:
7,13
